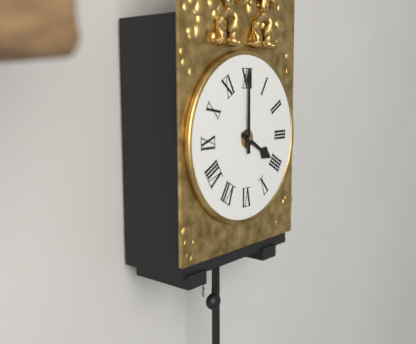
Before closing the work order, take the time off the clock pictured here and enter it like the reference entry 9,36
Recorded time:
4,00
